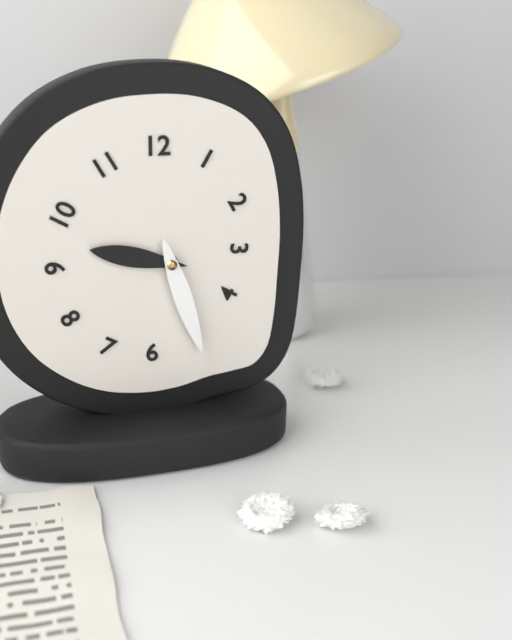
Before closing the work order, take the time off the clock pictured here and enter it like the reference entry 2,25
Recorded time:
9,27
